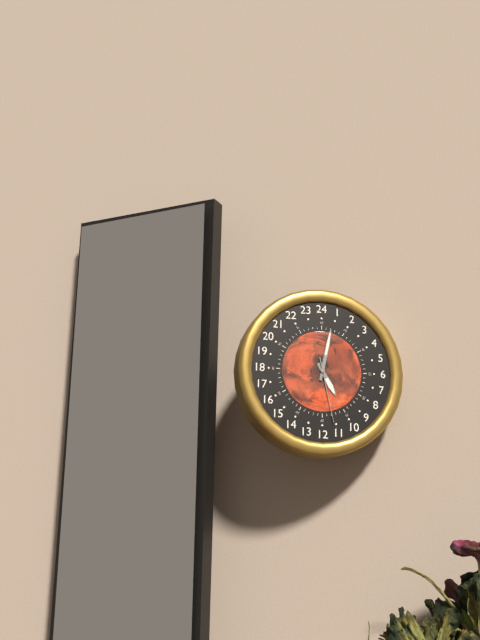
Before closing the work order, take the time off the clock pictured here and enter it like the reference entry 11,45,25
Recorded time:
5,02,28
